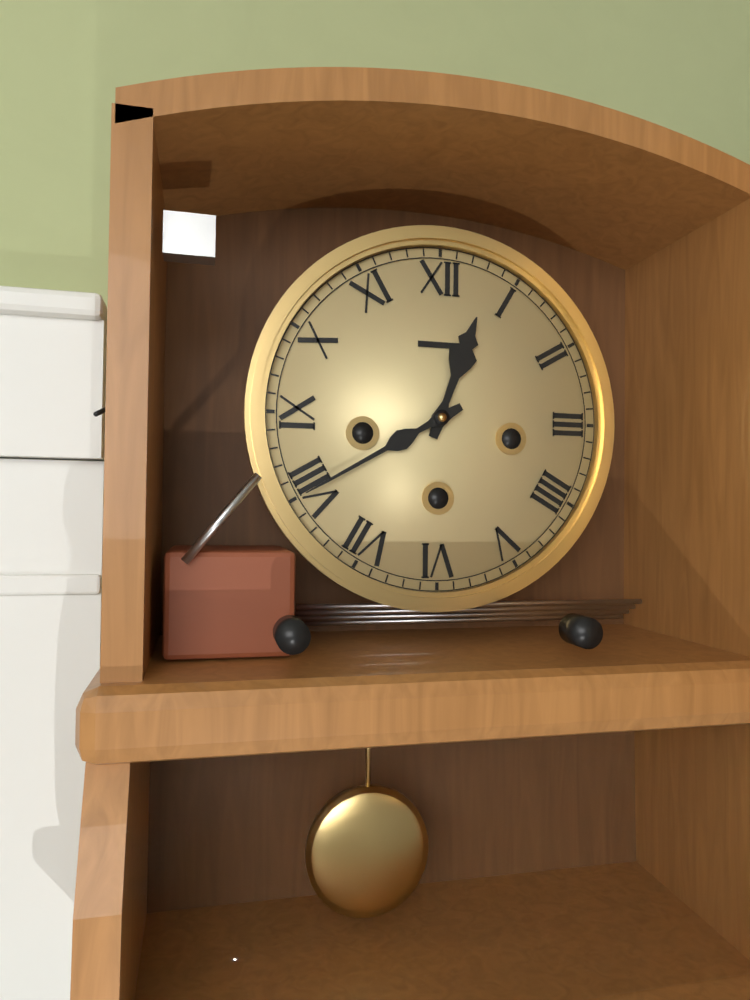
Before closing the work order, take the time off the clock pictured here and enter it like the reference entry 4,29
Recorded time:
12,40
